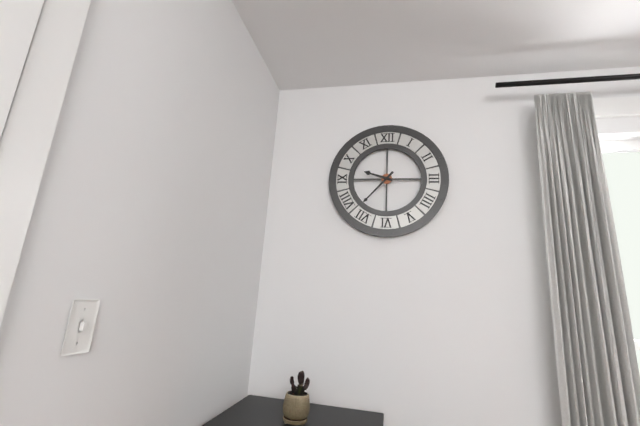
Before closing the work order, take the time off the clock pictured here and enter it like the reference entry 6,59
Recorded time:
9,37
